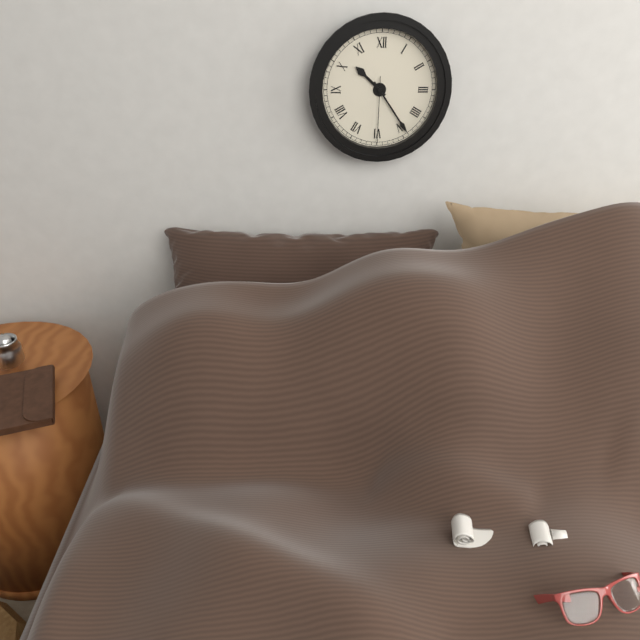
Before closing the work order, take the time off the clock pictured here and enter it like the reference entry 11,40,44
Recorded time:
10,24,30
